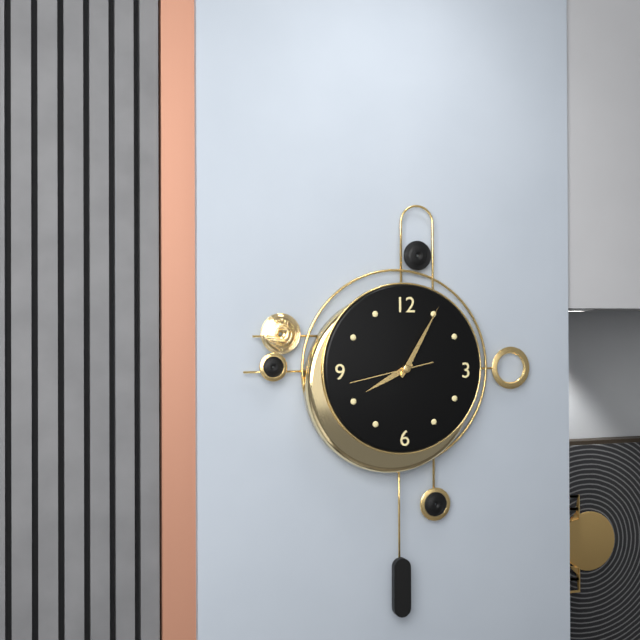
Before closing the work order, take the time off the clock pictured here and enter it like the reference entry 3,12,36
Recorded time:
8,05,43
